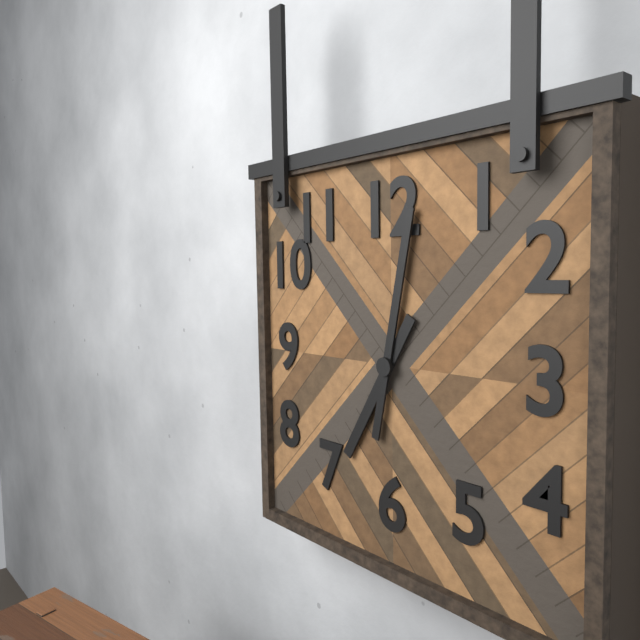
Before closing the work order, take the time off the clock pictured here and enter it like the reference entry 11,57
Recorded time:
7,02
